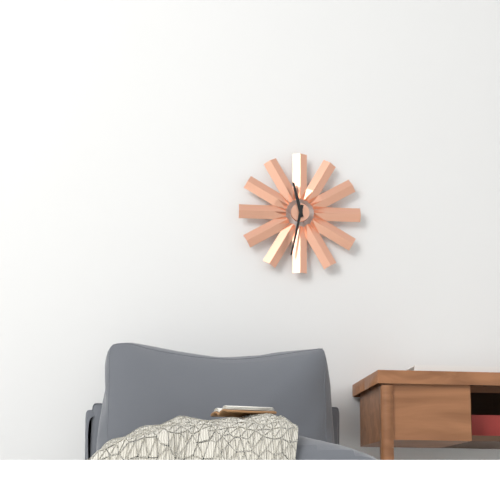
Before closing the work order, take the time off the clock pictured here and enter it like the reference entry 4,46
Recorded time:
11,32
